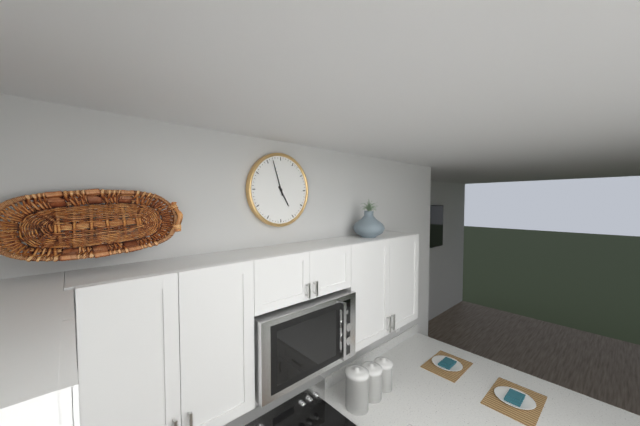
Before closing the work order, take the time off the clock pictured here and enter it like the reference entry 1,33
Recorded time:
4,57
